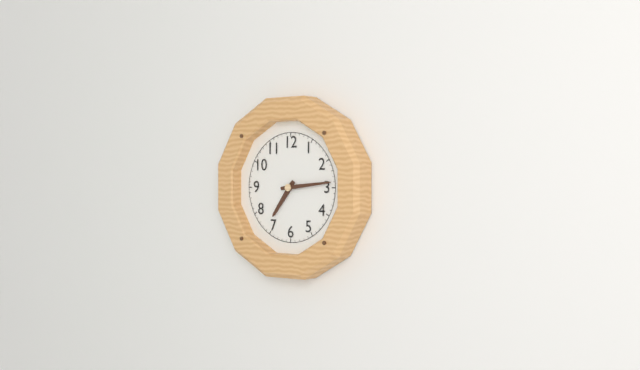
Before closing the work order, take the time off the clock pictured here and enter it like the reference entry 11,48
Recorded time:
7,14
